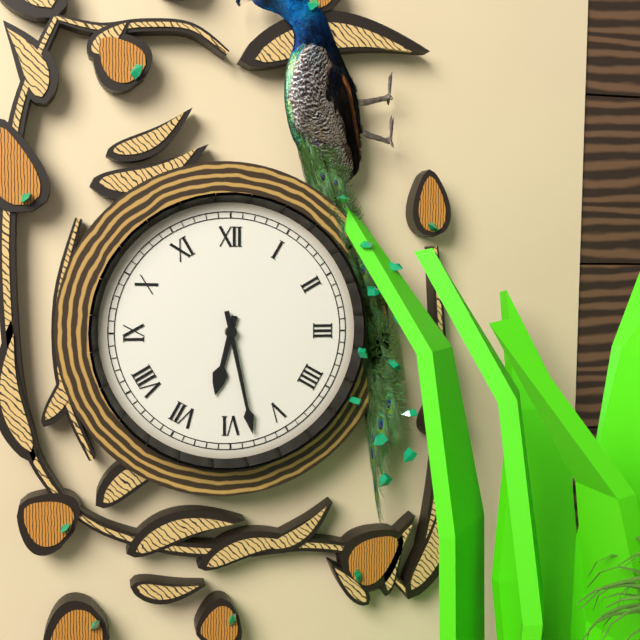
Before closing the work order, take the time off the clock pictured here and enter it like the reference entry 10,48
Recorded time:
6,28
